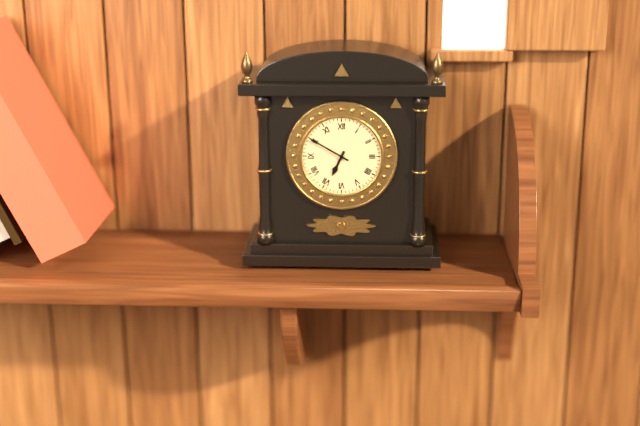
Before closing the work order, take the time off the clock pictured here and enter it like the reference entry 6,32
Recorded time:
6,50
